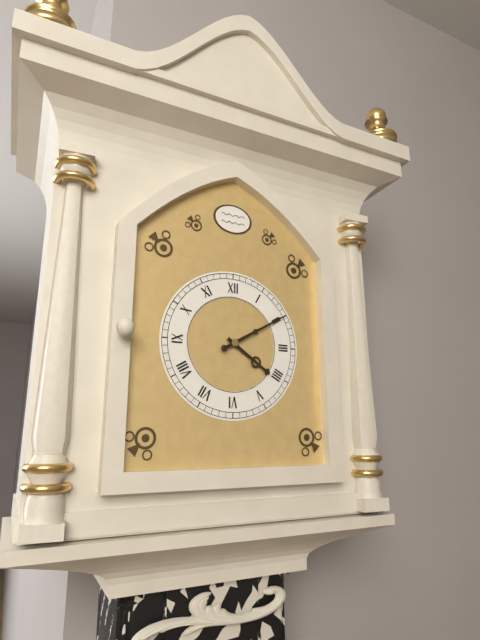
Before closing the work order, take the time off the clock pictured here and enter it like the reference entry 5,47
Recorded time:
4,10
